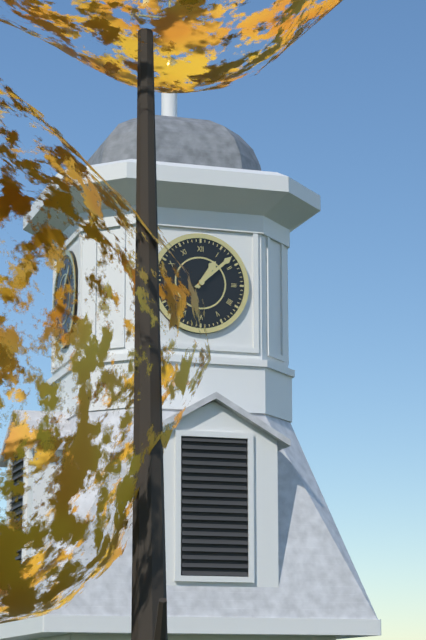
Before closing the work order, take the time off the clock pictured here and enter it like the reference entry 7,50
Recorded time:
1,08
